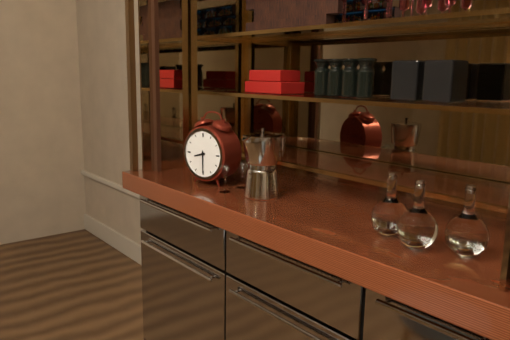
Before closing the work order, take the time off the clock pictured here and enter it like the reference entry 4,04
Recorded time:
8,30
